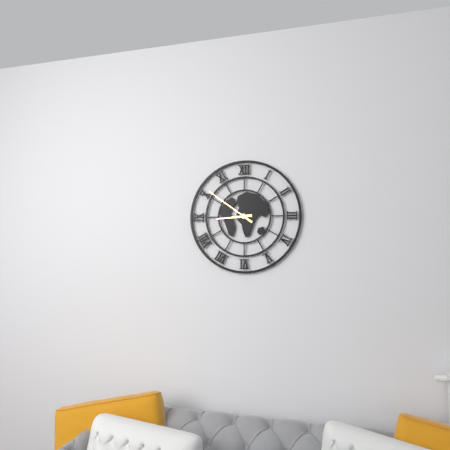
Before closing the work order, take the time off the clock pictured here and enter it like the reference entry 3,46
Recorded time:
8,51
